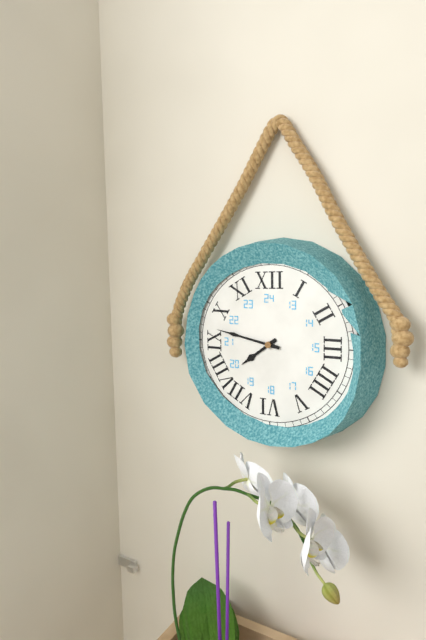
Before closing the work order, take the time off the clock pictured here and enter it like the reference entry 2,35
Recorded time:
7,47
